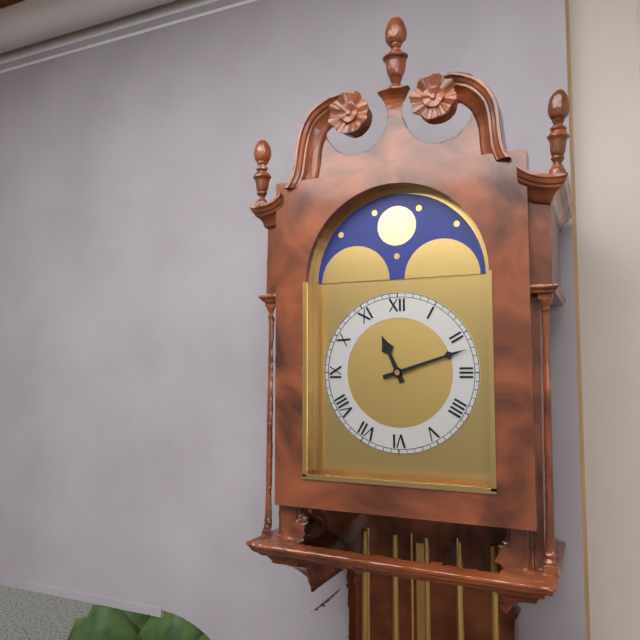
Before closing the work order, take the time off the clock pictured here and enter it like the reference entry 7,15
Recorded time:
11,12
